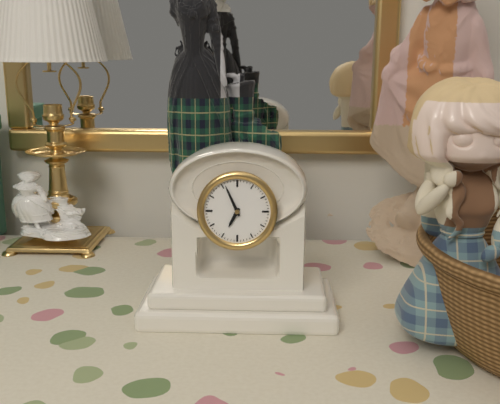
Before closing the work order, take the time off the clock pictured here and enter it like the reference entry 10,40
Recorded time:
6,56
